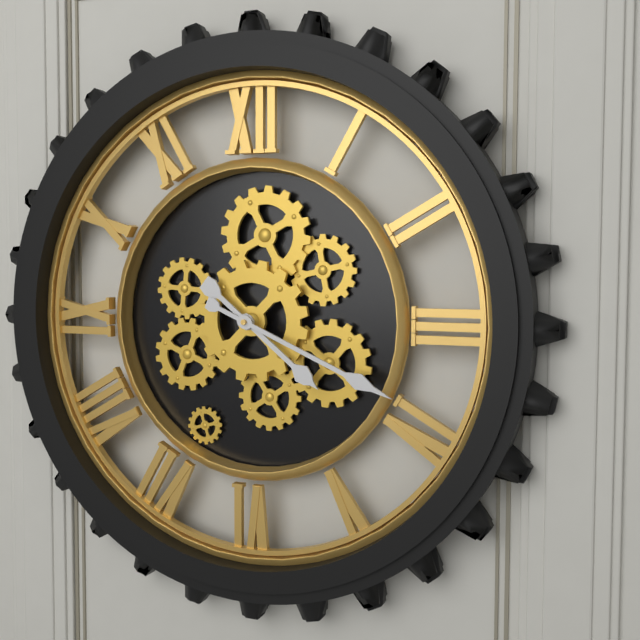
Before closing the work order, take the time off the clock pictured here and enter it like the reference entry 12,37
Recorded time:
4,19
